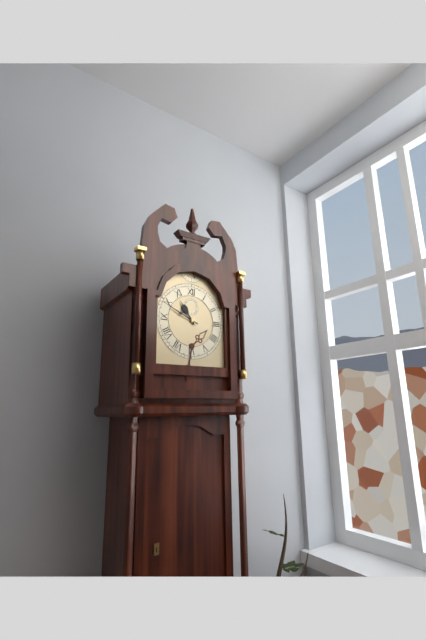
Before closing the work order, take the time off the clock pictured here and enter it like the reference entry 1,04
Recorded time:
10,49
